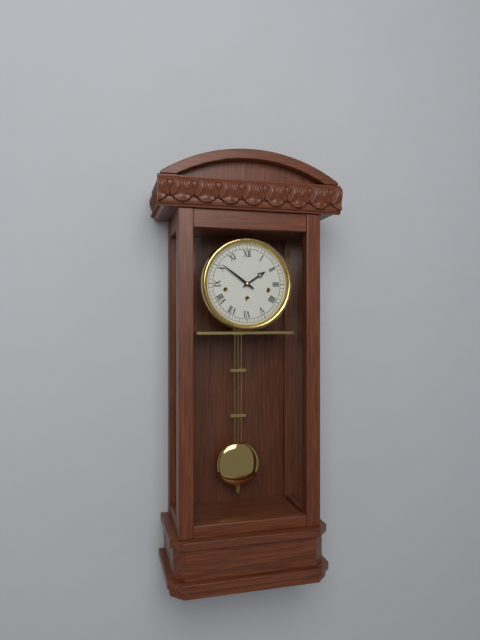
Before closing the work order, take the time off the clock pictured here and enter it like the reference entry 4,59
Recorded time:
1,51
